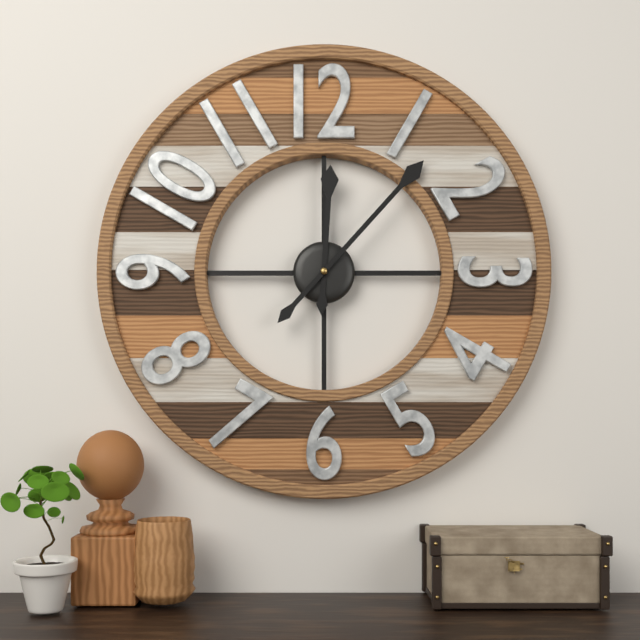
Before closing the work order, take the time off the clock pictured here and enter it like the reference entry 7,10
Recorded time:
12,07
